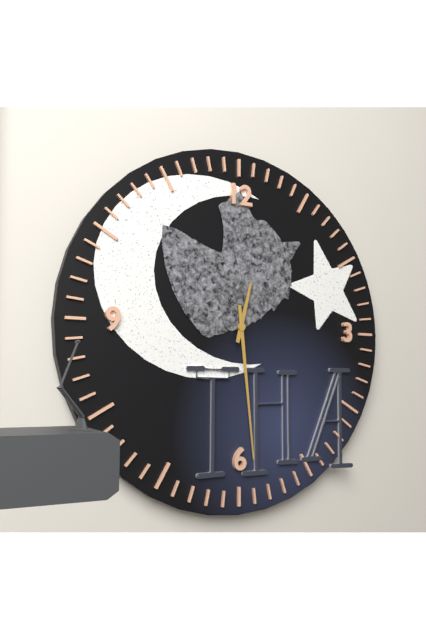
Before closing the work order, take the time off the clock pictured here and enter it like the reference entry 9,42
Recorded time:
12,29
